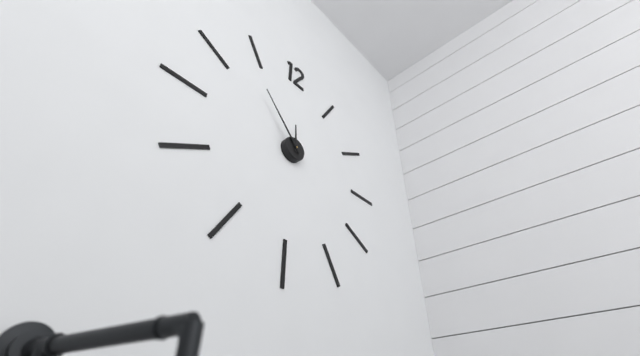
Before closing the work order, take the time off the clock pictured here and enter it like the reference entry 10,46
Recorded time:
11,53
